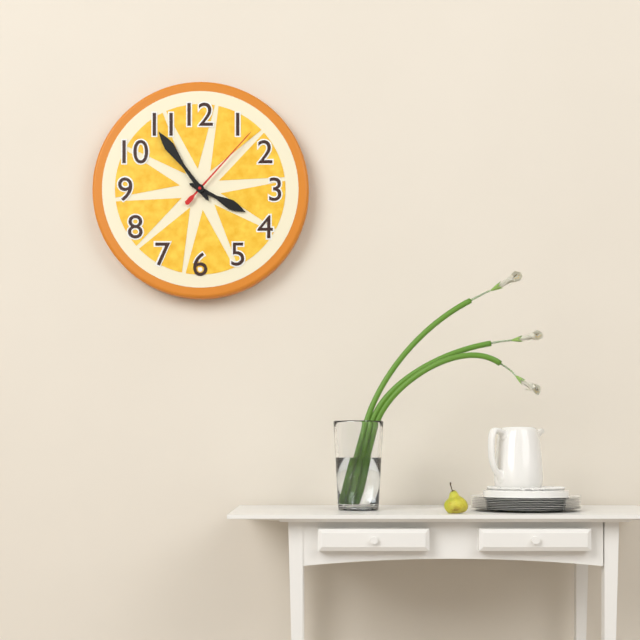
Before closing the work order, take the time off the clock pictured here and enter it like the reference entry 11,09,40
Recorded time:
3,54,07
